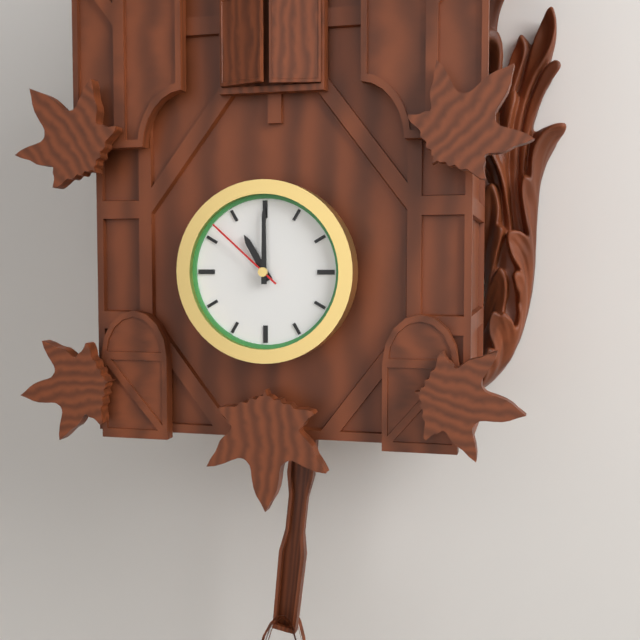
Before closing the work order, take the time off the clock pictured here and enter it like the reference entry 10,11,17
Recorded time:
11,00,52
